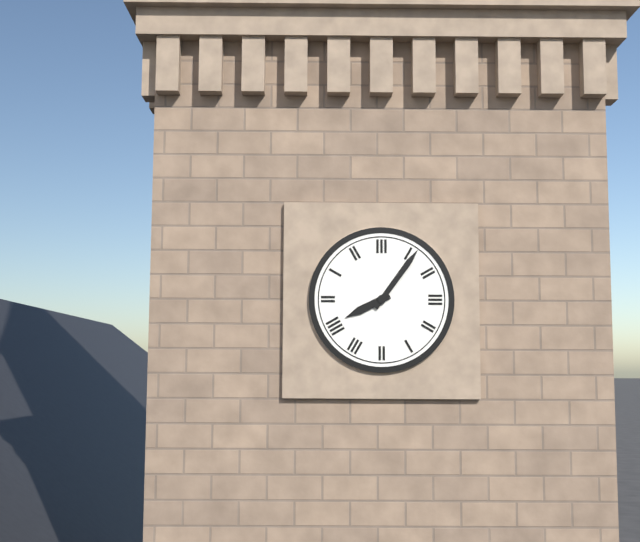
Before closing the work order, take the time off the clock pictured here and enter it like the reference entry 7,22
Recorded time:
8,06
